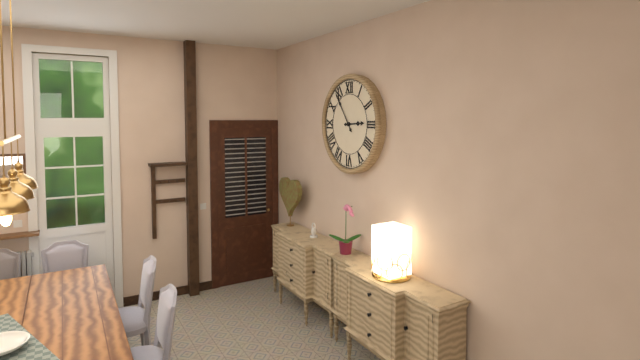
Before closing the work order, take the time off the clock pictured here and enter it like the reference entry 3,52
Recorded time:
2,54
